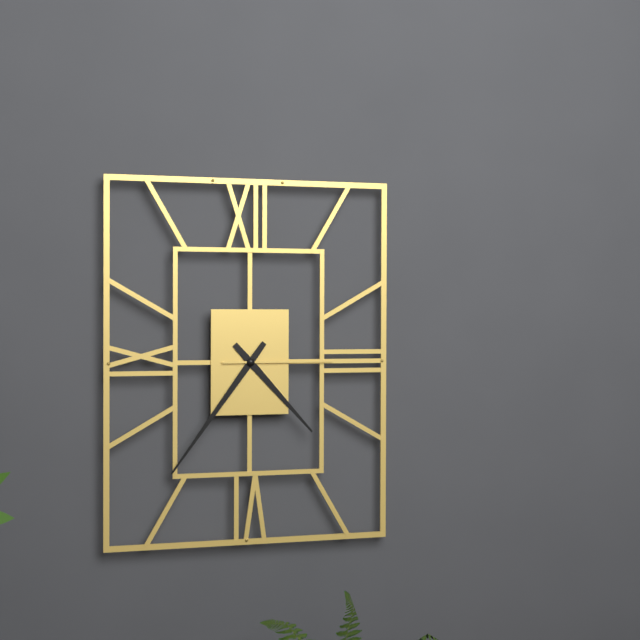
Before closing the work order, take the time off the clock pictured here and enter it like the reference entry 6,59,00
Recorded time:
4,36,15
